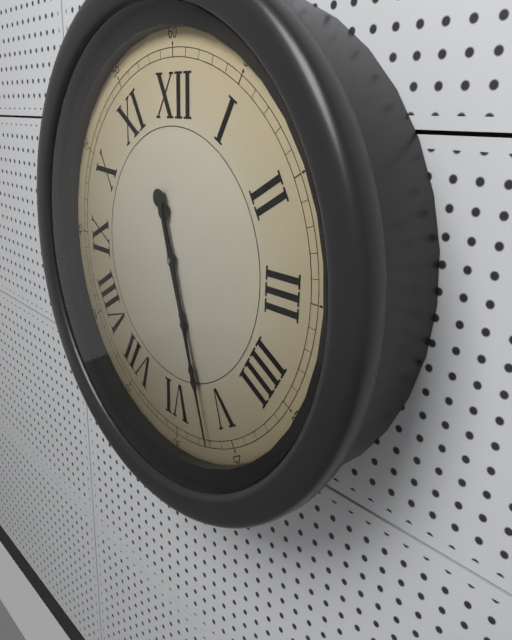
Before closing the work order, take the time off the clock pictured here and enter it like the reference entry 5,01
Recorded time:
5,27
